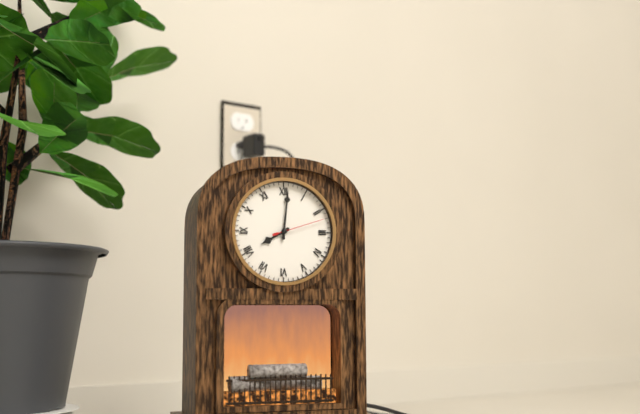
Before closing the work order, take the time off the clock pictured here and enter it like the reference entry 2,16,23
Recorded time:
8,01,12
